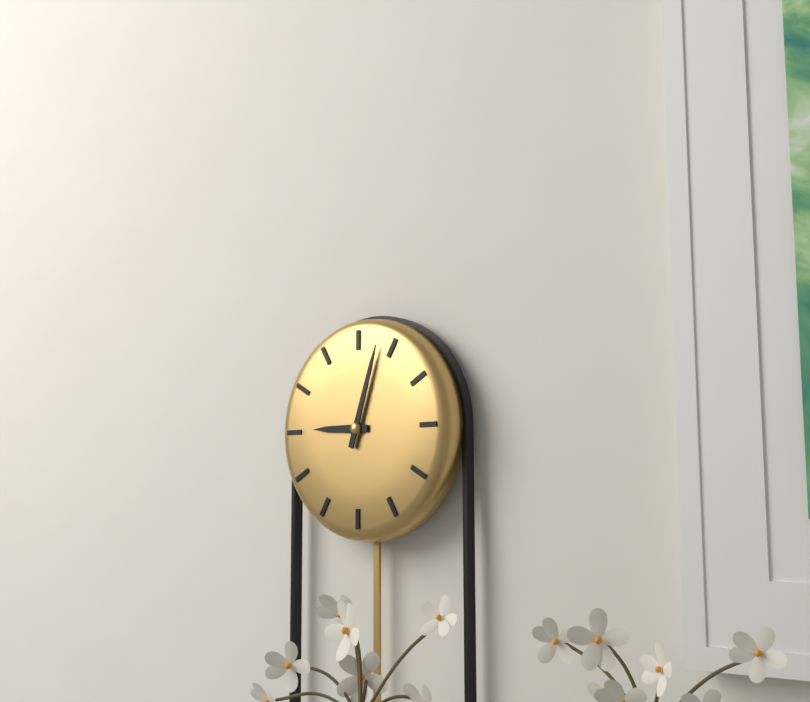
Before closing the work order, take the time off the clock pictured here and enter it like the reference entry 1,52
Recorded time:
9,03
